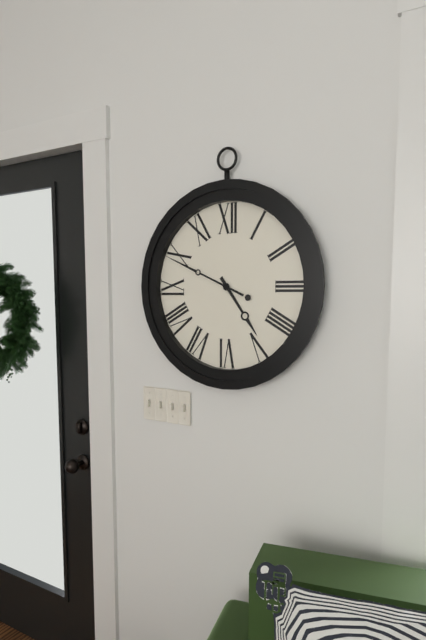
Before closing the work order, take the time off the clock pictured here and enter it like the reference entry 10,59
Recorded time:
4,49
